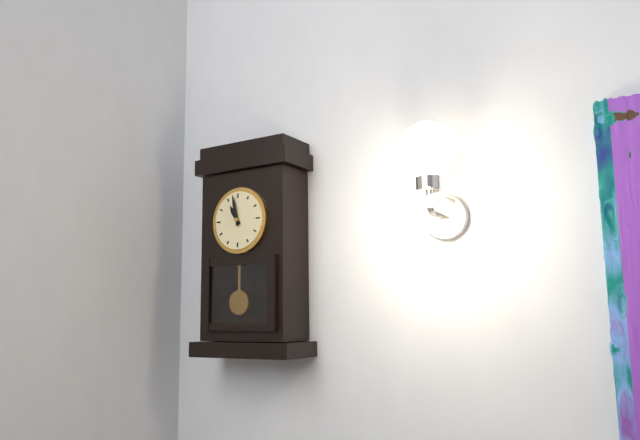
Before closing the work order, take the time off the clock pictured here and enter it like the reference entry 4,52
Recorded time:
10,58
